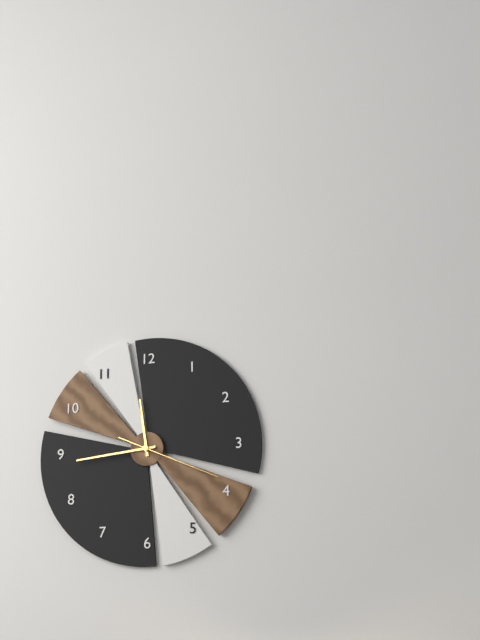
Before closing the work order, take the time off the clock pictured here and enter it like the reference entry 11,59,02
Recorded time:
11,44,19
